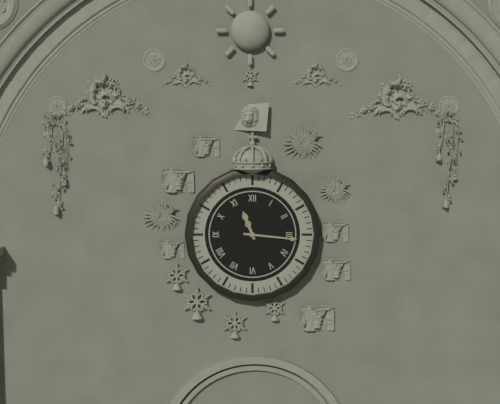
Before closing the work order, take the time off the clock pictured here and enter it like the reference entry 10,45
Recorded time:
11,16
